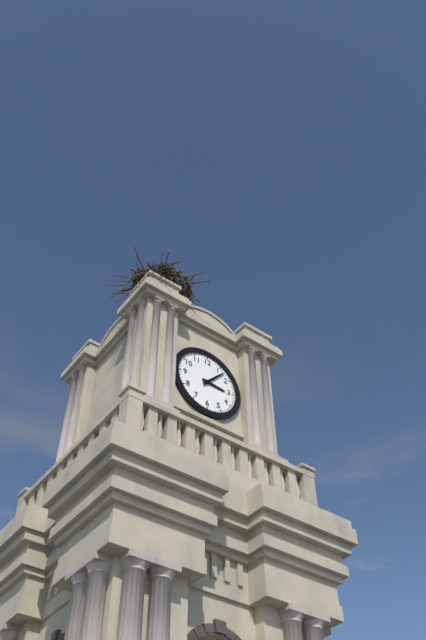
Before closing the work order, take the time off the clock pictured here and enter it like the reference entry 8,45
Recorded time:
3,07
